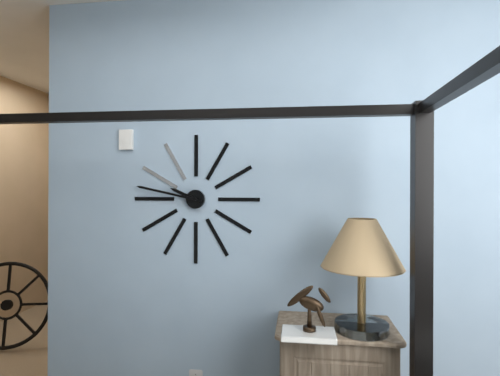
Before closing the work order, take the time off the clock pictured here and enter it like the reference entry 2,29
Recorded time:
9,47
